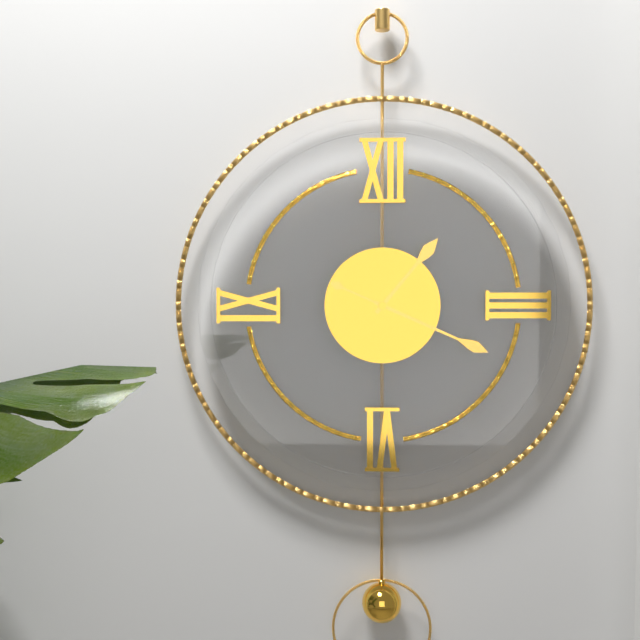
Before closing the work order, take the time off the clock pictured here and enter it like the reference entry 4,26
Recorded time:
1,19
